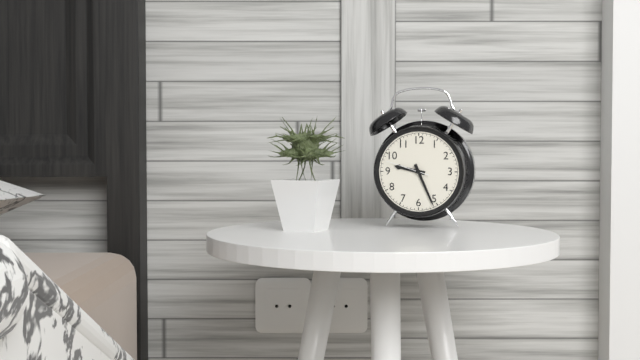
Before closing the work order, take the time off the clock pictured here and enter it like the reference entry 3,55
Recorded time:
9,26
